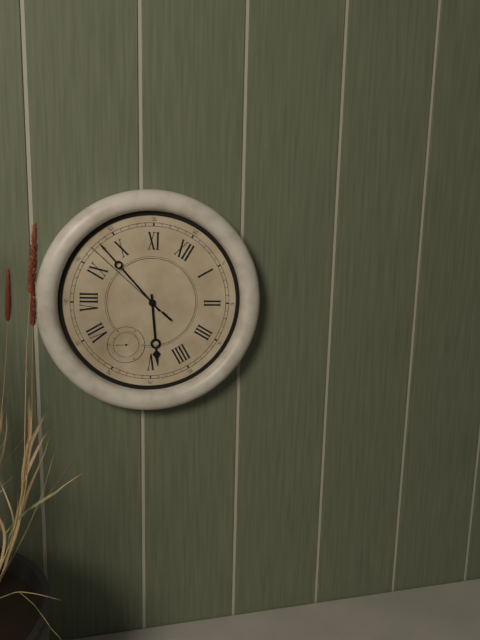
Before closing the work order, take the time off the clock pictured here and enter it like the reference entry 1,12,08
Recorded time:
4,48,47
